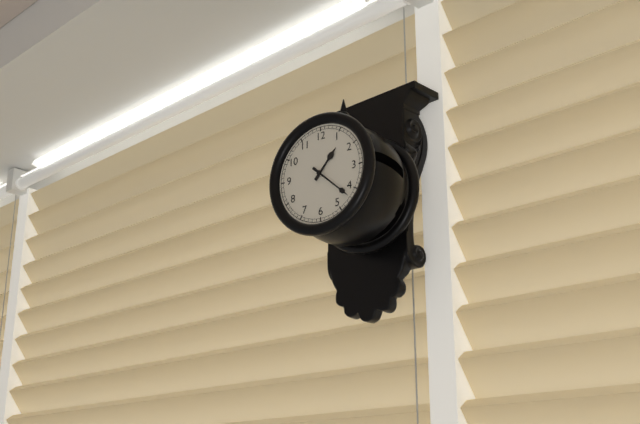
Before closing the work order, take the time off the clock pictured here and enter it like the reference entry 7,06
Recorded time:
1,22
